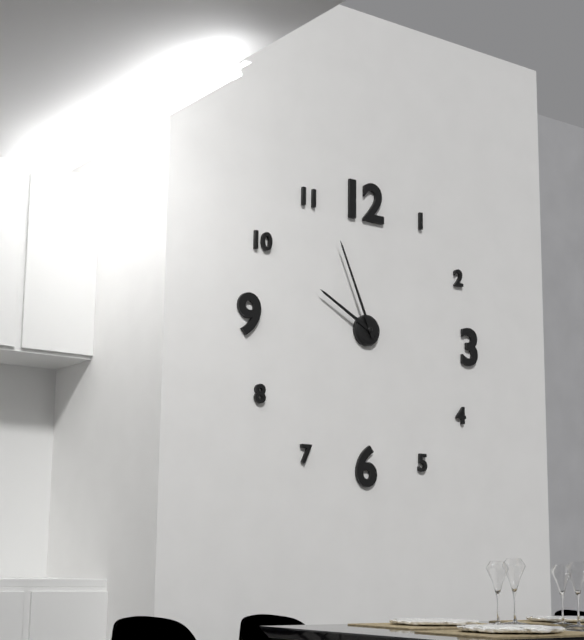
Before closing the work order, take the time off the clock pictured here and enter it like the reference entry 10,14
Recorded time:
9,56
